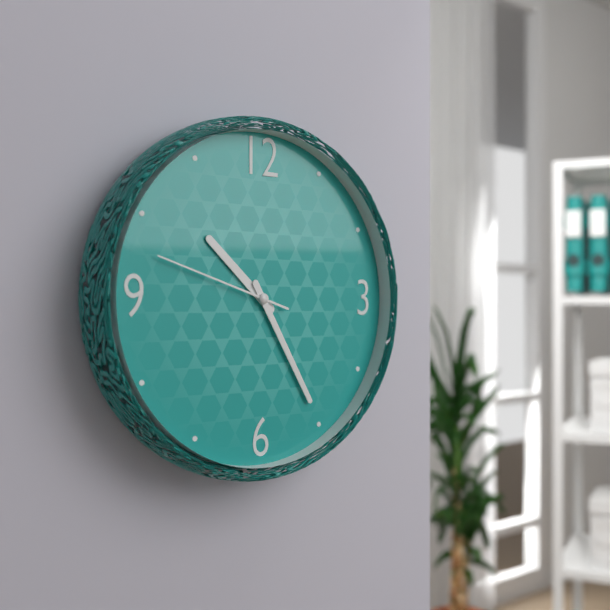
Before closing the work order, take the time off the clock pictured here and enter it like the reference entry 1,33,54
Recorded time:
10,25,48
